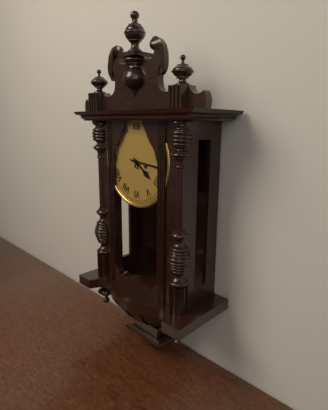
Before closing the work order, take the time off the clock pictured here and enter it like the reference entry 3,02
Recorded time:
4,16
